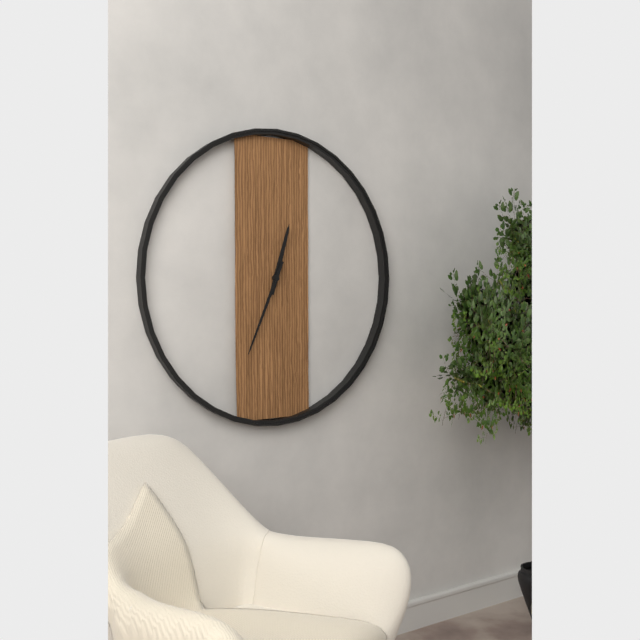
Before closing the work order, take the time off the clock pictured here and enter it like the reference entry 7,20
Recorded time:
12,34
